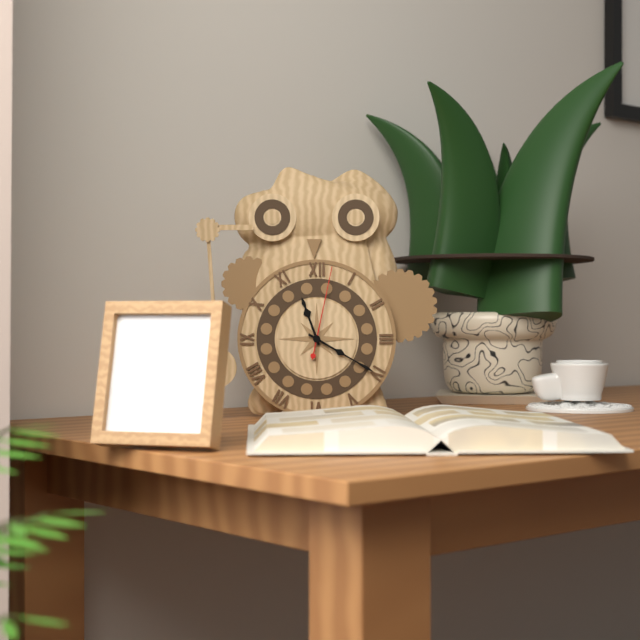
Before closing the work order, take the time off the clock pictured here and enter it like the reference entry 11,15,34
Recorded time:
11,20,02
